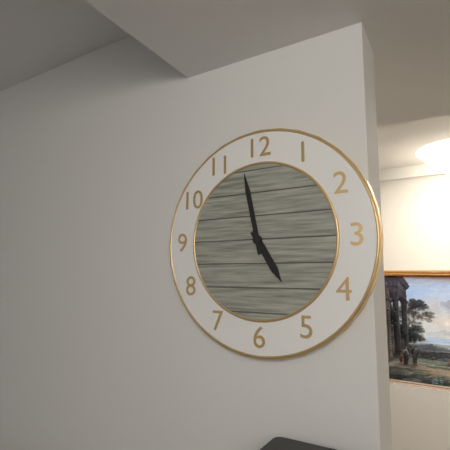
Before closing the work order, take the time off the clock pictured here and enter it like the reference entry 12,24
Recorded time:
4,58
